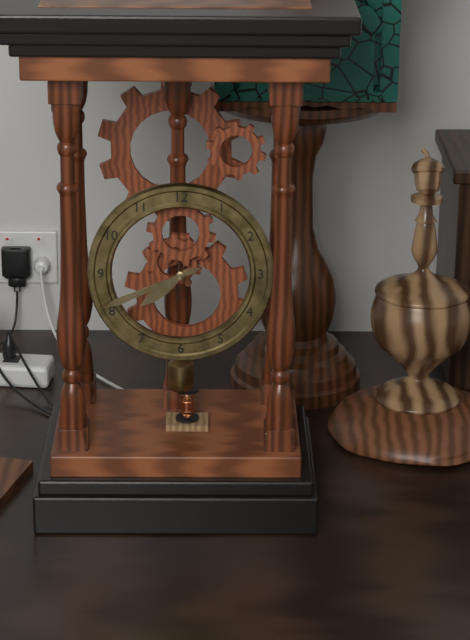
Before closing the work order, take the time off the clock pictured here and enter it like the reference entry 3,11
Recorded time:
7,41
